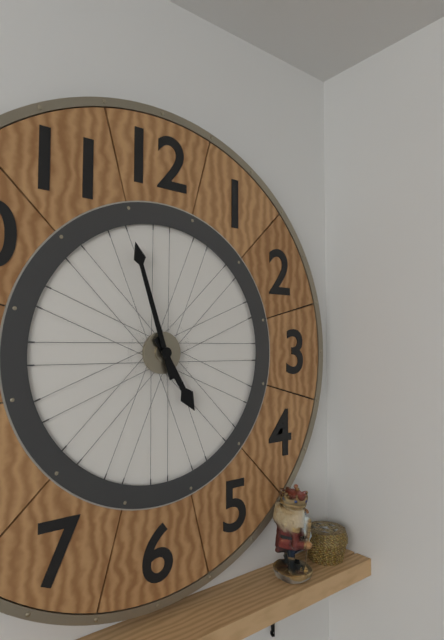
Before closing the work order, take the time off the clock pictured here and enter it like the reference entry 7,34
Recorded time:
4,57
